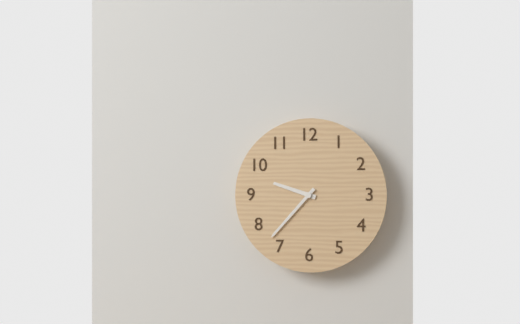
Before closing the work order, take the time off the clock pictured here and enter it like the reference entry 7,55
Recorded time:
9,37
